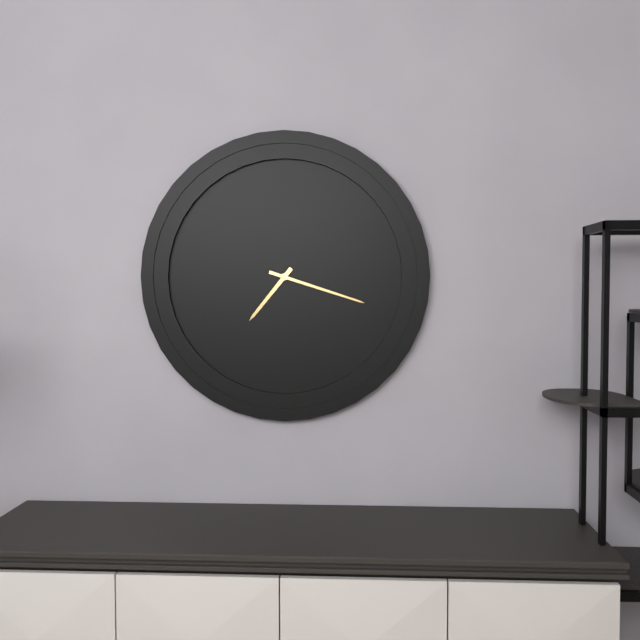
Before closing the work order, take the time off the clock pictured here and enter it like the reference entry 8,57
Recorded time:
7,18
